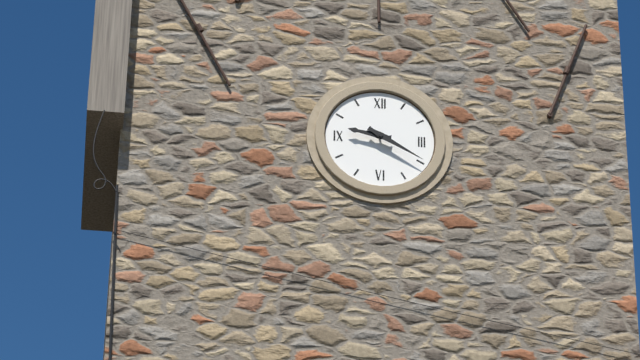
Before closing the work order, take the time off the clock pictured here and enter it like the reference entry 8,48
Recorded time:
9,20
